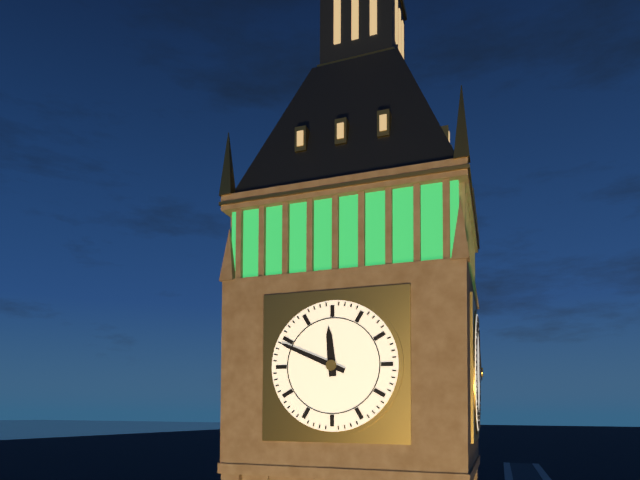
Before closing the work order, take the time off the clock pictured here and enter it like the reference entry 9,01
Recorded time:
11,49
